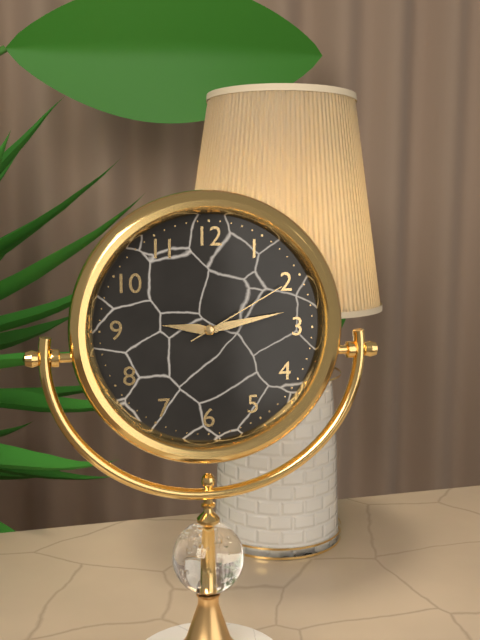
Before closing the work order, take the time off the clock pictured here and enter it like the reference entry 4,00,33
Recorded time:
9,13,10
